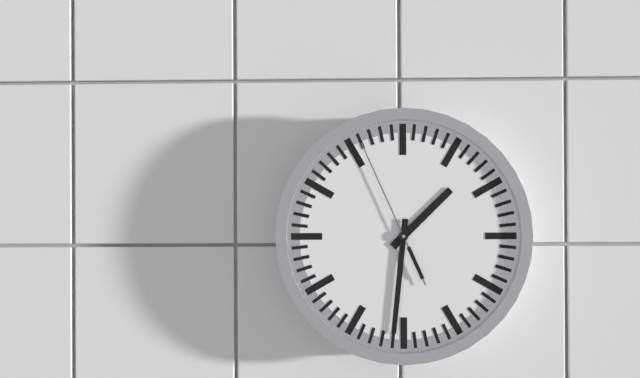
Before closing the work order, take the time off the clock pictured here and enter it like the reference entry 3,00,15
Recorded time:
1,31,56
